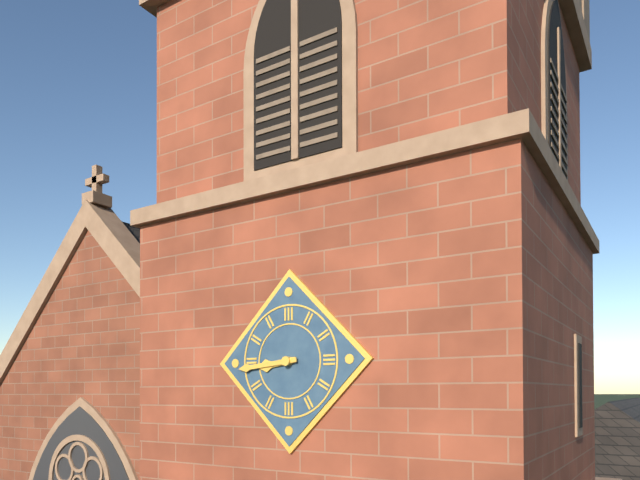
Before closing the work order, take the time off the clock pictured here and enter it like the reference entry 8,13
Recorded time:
8,44
